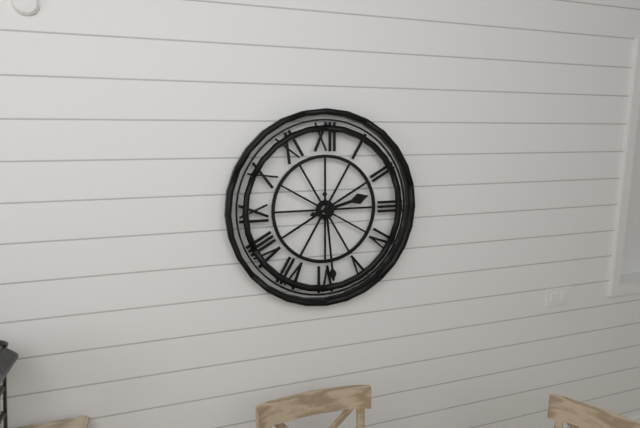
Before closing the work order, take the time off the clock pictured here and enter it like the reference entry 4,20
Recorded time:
2,29
